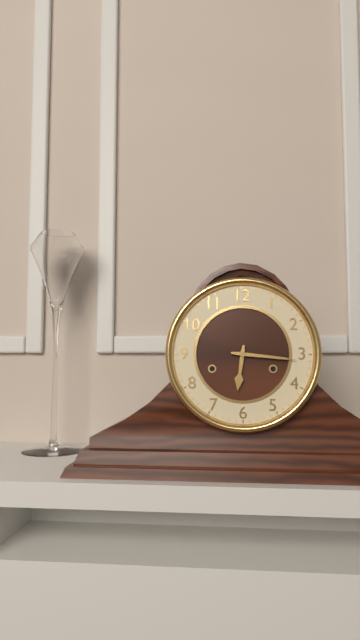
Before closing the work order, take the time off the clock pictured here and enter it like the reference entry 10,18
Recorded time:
6,16
